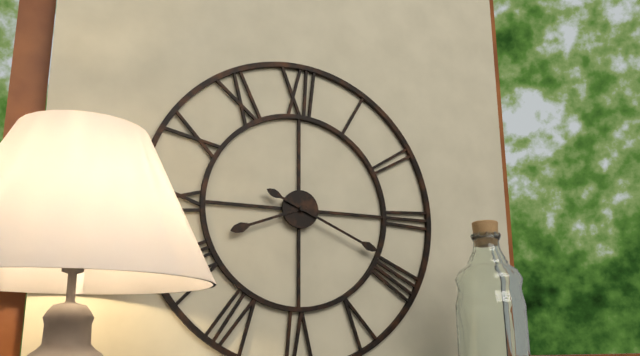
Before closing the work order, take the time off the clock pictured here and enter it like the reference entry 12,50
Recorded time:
8,19
